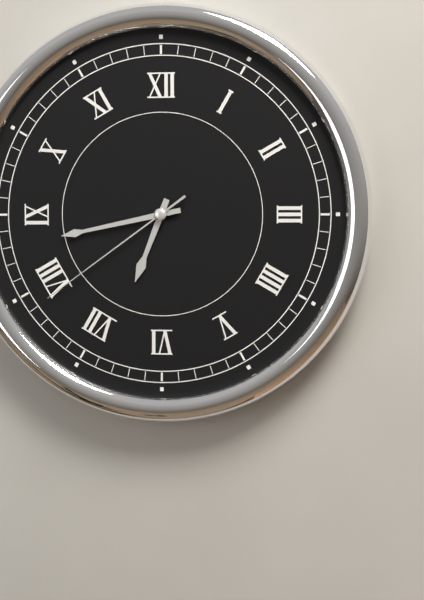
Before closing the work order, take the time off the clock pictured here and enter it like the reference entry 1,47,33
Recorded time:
6,43,39
